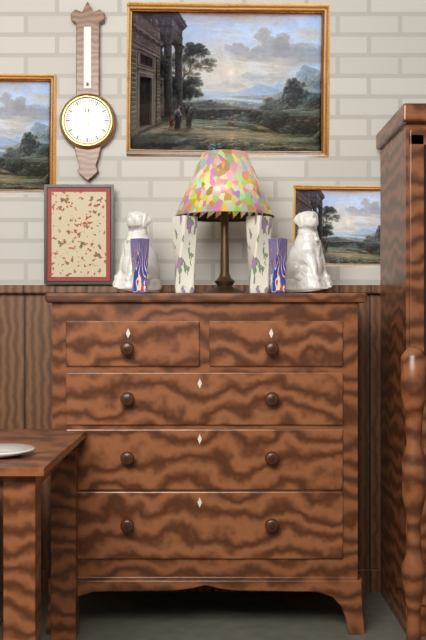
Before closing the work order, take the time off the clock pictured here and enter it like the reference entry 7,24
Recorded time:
12,00
